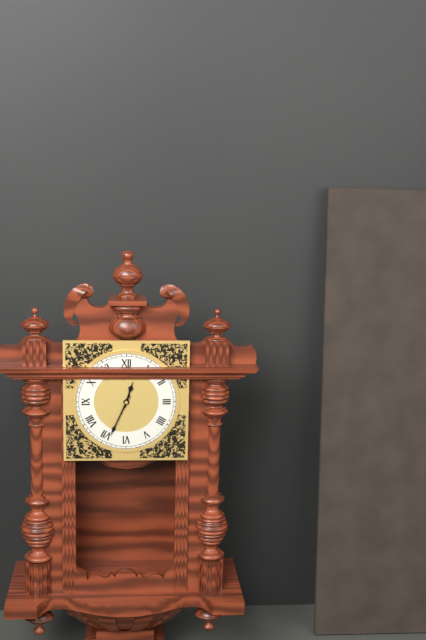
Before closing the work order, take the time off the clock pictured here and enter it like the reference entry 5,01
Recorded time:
12,34
